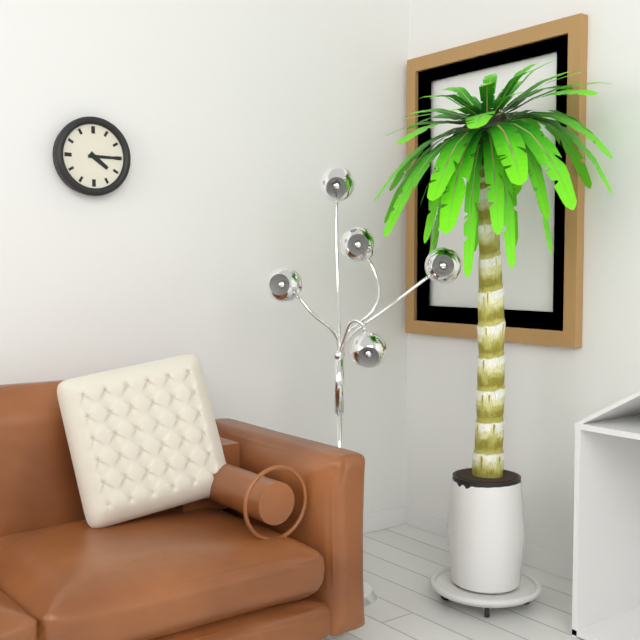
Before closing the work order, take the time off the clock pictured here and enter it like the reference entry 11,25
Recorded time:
4,15
